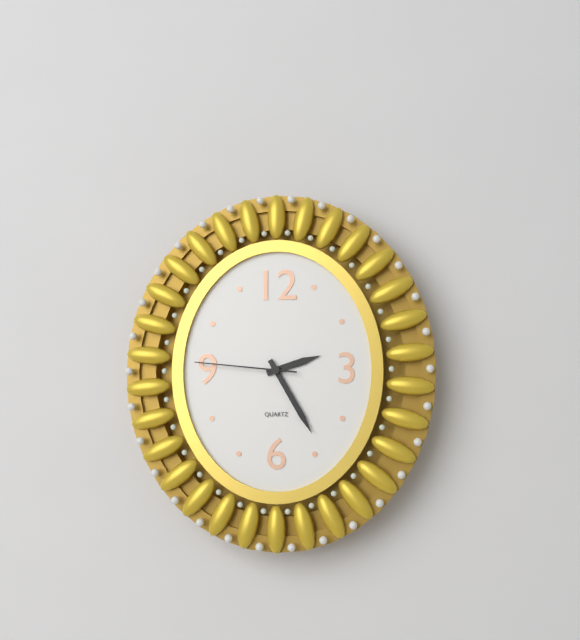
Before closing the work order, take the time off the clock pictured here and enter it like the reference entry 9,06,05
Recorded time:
2,25,46
